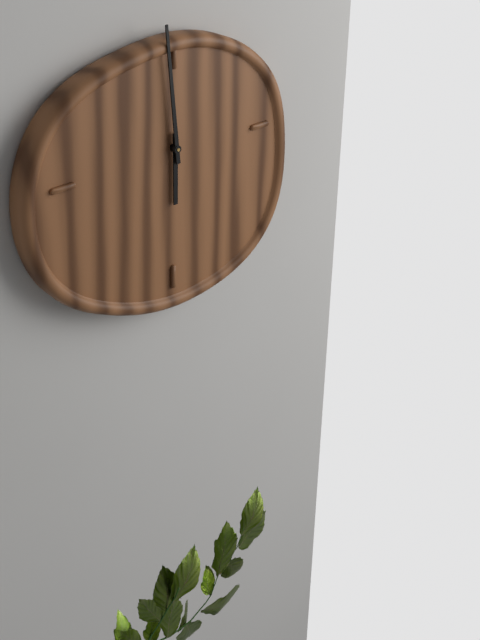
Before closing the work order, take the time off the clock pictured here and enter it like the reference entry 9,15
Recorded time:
5,59
